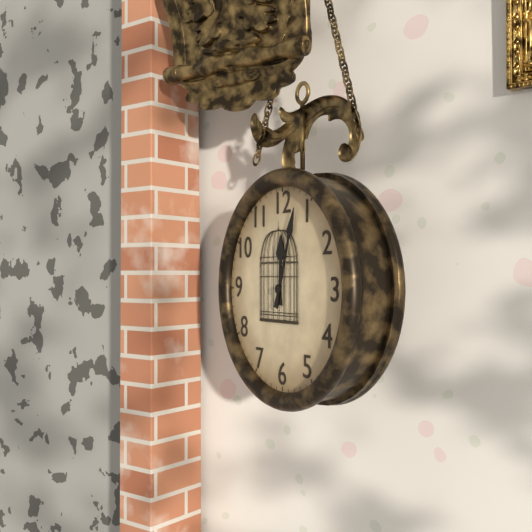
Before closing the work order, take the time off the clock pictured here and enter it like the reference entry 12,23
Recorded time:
12,03
